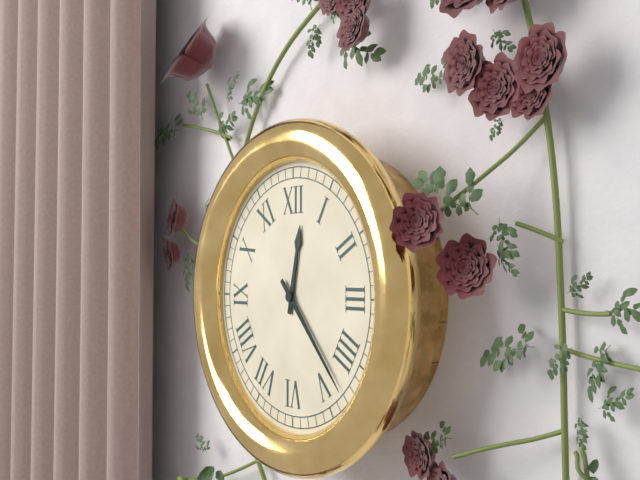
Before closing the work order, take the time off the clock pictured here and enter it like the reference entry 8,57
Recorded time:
12,23
